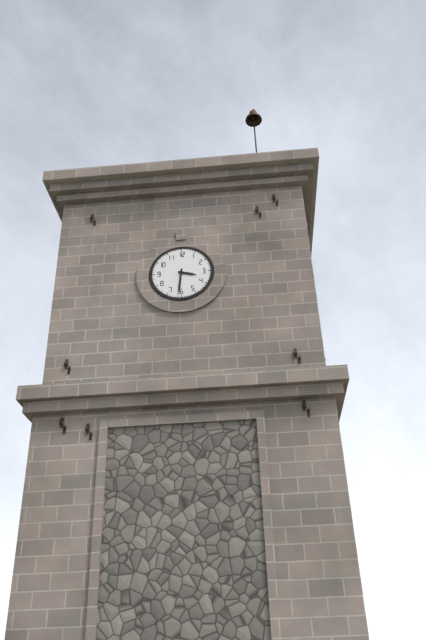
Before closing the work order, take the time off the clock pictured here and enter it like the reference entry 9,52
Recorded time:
3,31
